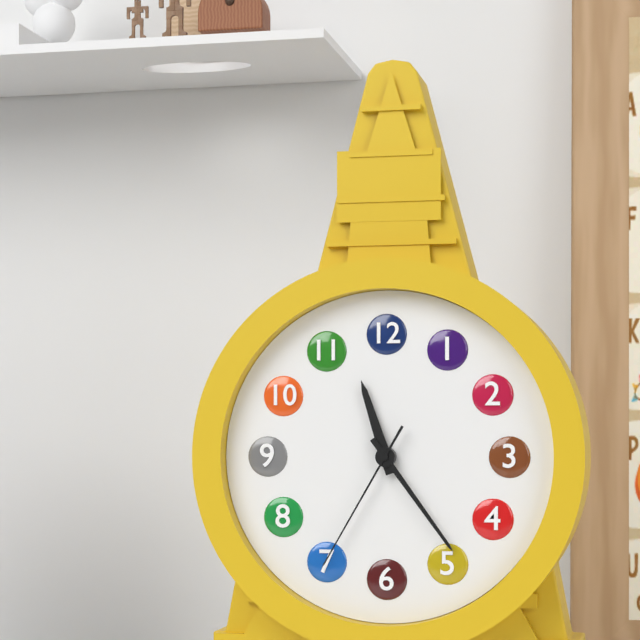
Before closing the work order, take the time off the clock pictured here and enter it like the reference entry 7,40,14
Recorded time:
11,24,35
